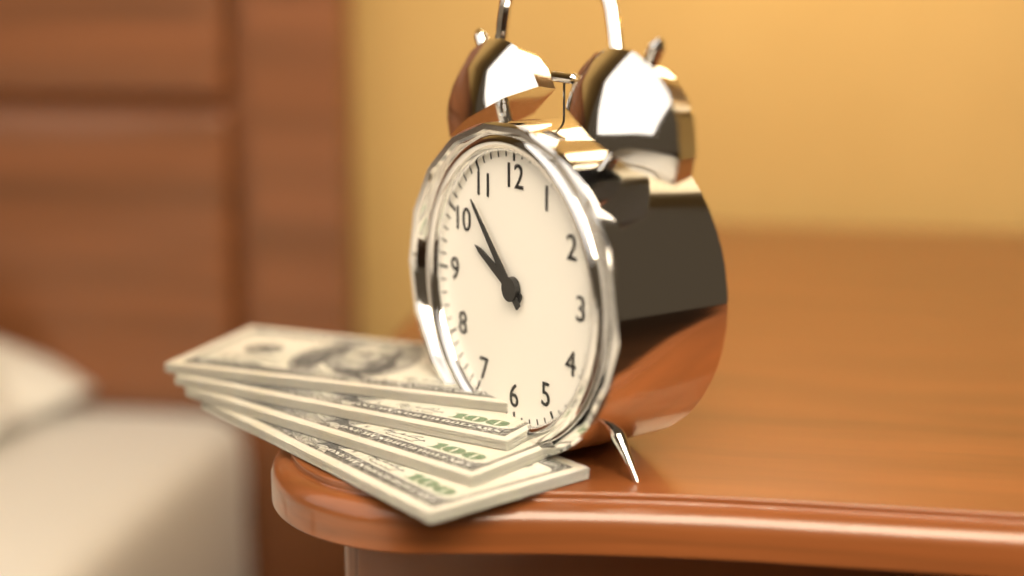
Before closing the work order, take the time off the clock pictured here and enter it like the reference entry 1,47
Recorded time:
9,53
